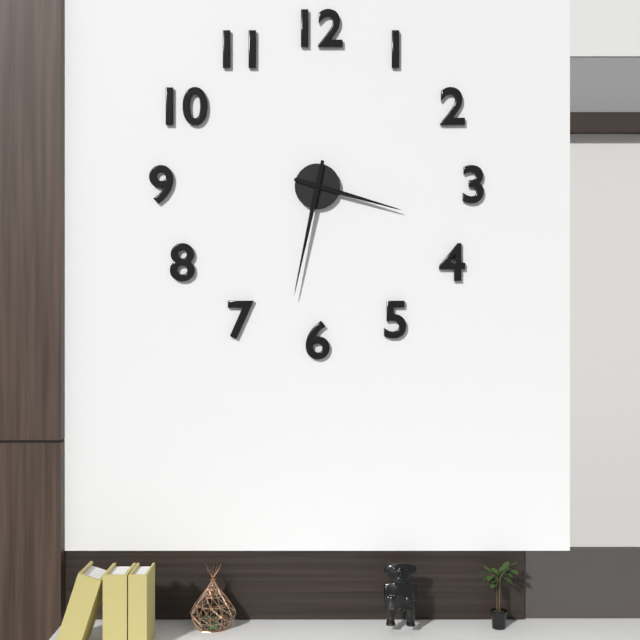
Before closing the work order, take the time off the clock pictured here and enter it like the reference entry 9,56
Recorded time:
3,32
